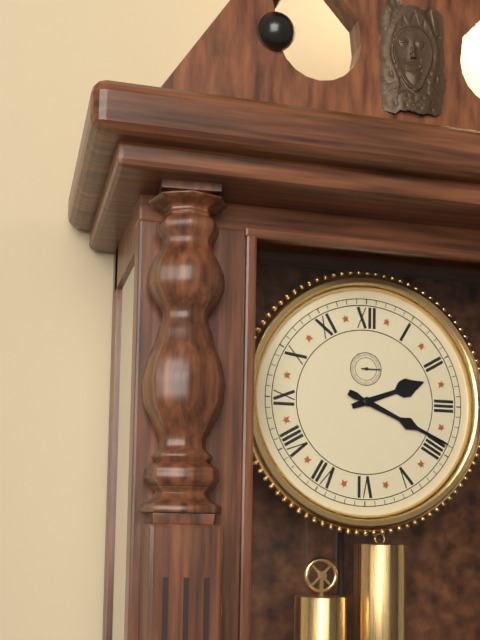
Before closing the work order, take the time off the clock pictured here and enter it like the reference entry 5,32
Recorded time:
2,19
